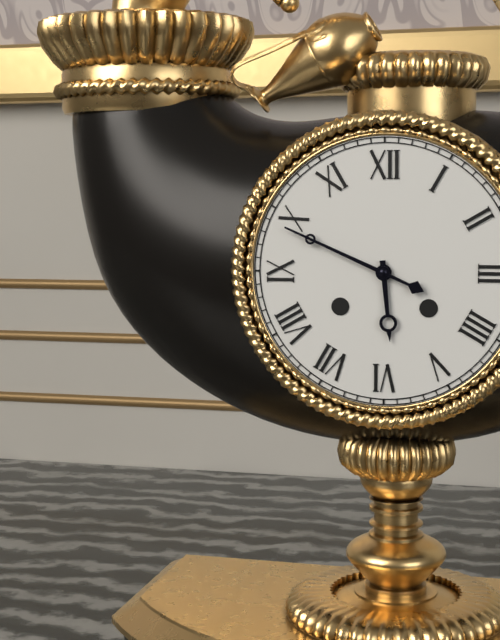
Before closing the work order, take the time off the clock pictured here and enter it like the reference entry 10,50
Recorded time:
5,49
